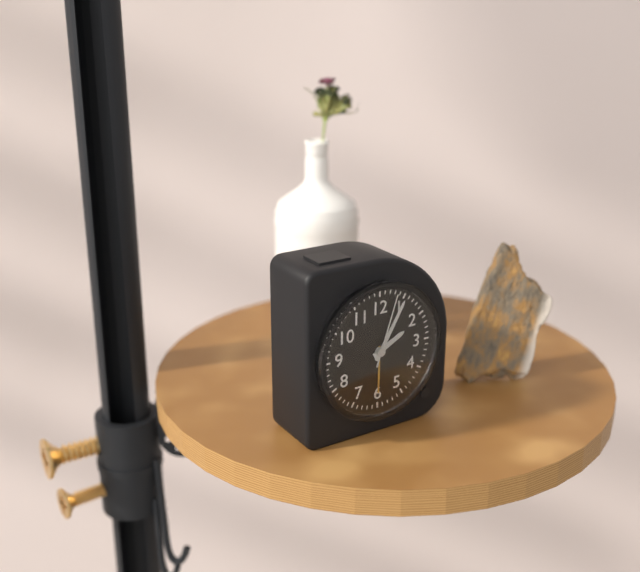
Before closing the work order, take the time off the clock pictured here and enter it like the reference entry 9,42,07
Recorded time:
2,05,03
